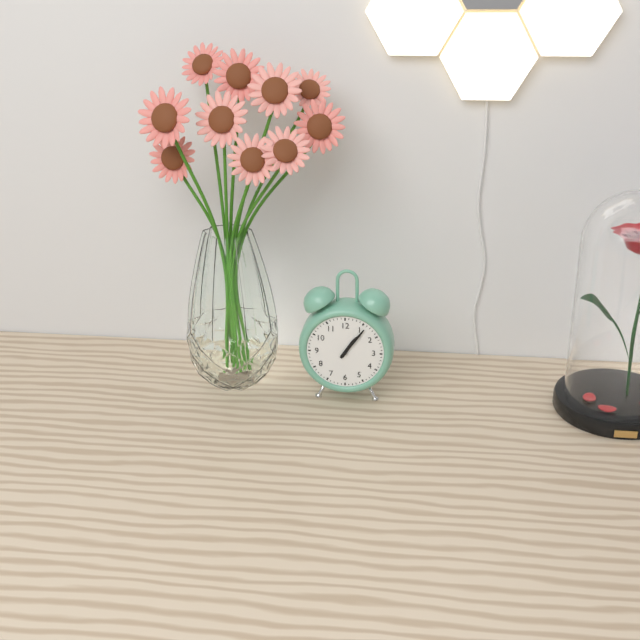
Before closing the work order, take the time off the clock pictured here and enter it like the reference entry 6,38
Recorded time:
1,06
